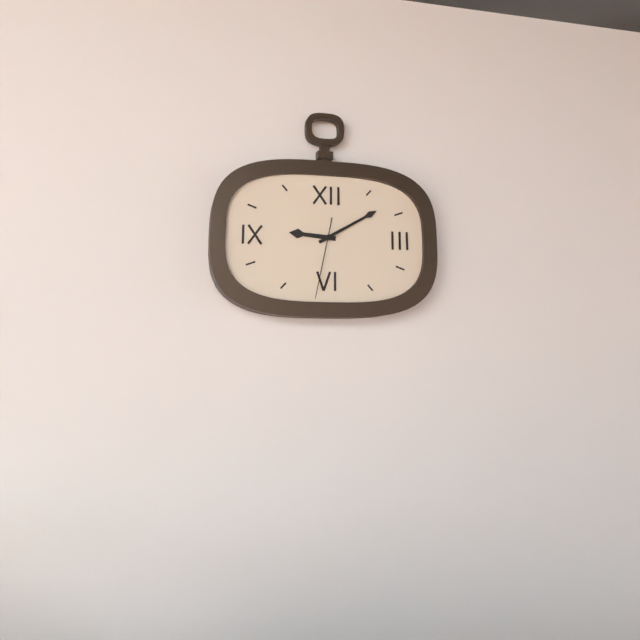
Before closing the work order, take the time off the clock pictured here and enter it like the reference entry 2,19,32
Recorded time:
9,10,32
